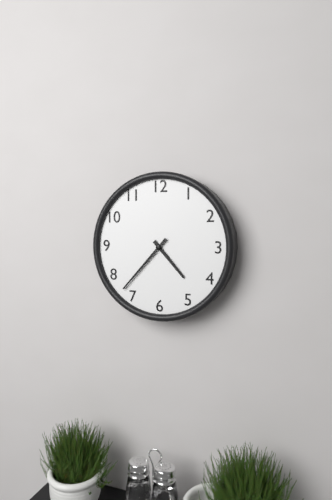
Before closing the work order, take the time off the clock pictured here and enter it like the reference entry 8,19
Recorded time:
4,37
